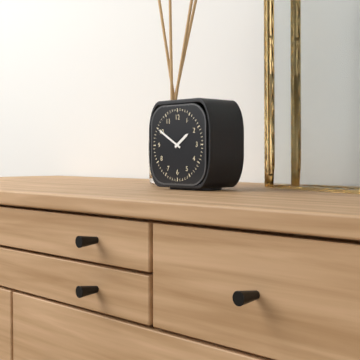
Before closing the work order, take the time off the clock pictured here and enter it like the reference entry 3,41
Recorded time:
1,50
